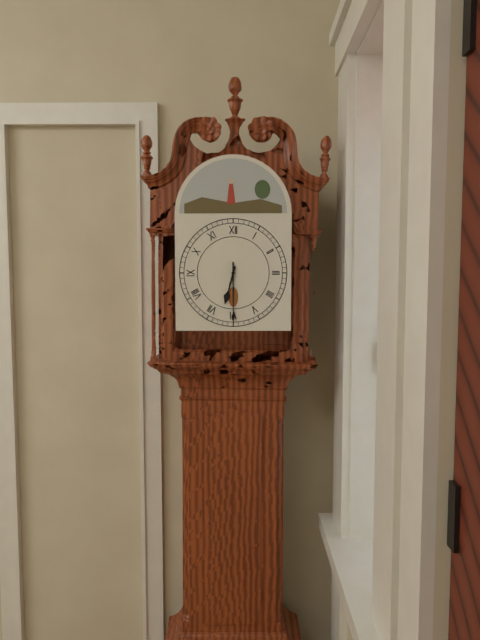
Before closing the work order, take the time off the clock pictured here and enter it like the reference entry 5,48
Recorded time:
6,30
